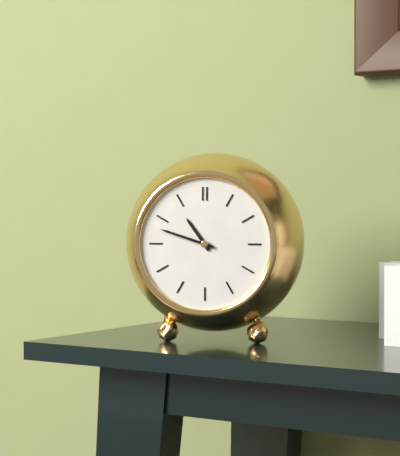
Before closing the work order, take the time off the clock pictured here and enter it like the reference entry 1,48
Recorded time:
10,48
